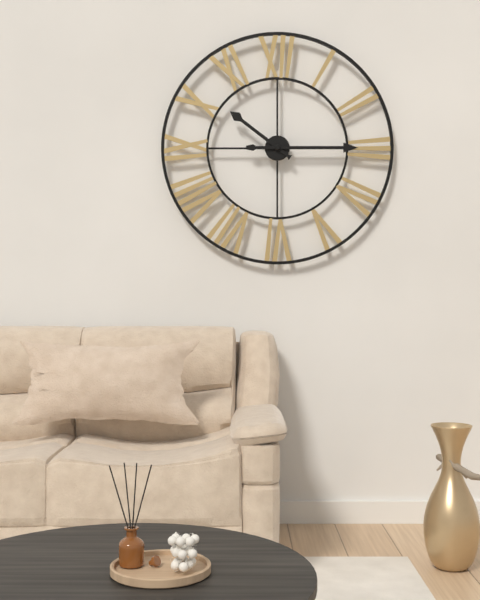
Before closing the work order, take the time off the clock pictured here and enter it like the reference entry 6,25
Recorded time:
10,15
